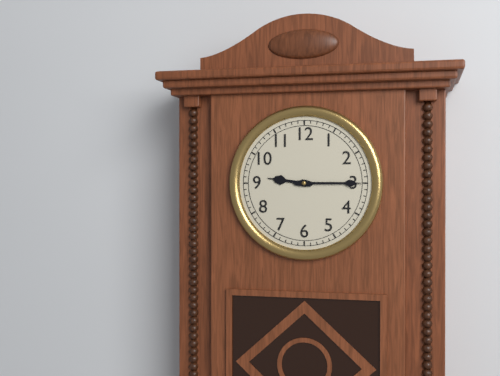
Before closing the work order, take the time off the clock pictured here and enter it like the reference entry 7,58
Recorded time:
9,15
